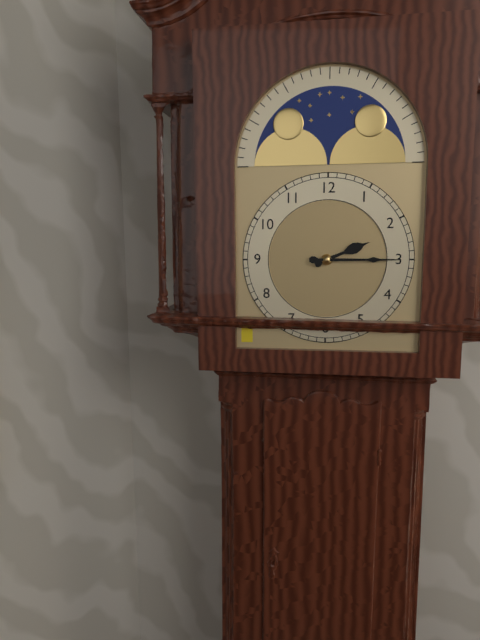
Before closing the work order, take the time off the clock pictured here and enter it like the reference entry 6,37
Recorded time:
2,15
